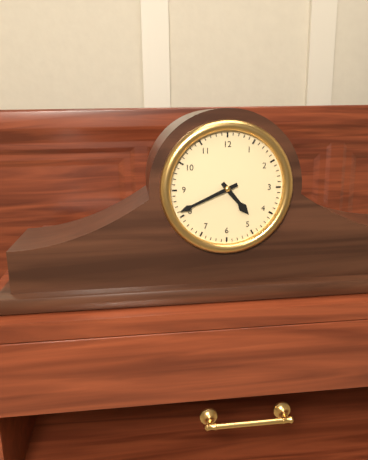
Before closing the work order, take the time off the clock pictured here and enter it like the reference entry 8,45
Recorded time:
4,41
